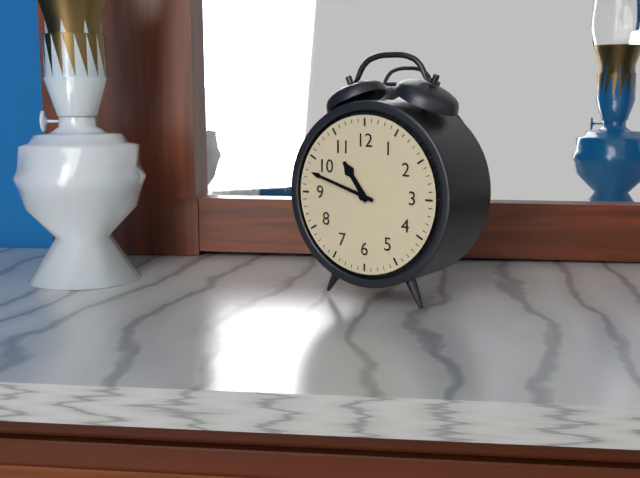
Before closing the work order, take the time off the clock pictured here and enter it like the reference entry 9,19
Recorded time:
10,48
